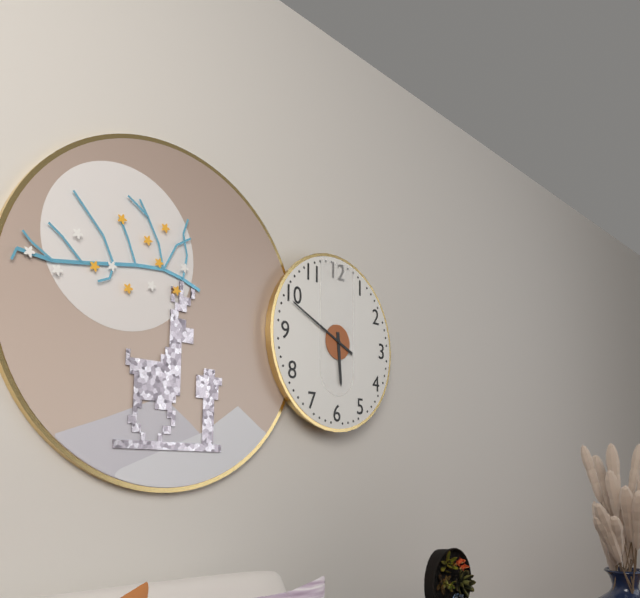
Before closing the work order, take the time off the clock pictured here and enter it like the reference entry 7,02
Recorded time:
5,49
